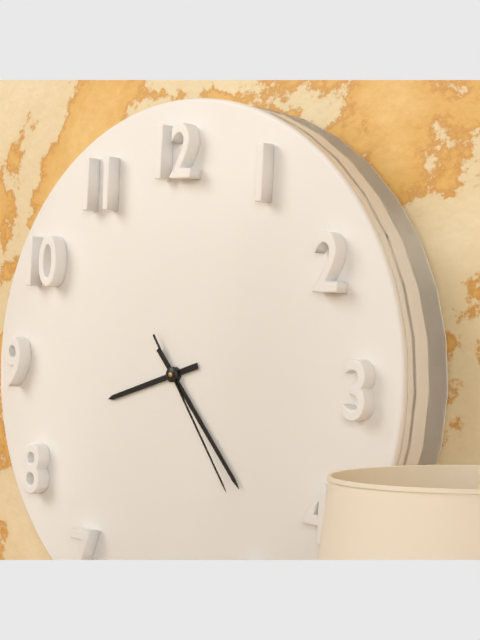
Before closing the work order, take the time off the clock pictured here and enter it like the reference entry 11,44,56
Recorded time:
8,23,24
